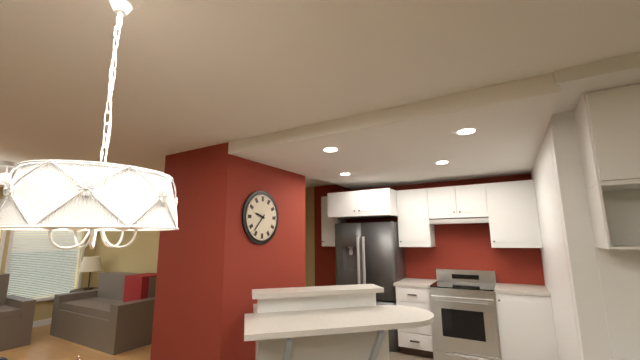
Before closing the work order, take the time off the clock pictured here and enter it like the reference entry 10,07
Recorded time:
9,37
